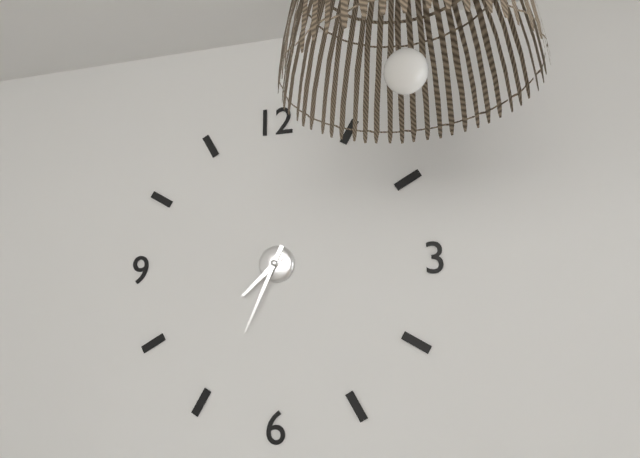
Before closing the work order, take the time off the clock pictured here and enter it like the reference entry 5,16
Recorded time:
7,34
